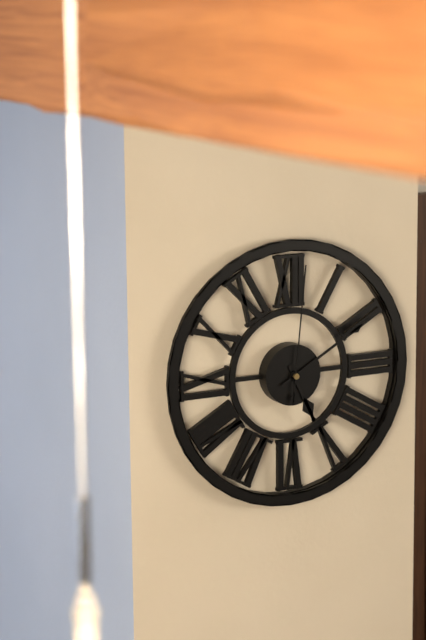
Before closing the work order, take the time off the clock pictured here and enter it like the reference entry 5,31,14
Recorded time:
5,10,01
